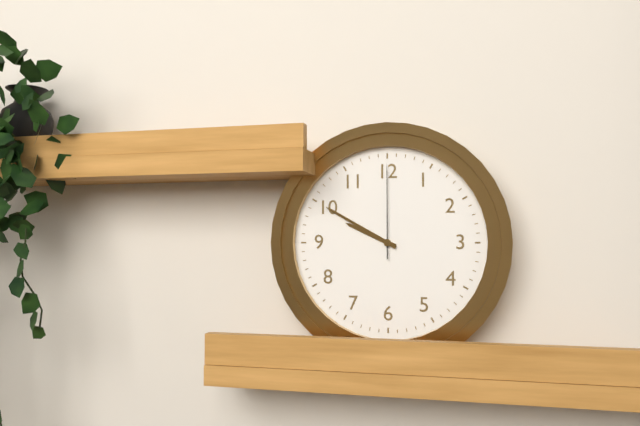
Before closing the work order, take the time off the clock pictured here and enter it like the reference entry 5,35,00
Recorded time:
9,50,00
